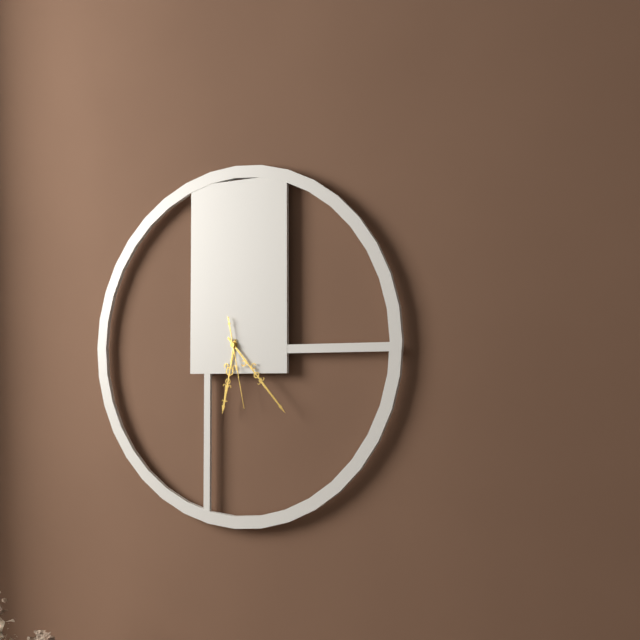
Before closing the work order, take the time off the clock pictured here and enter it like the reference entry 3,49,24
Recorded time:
6,23,28
